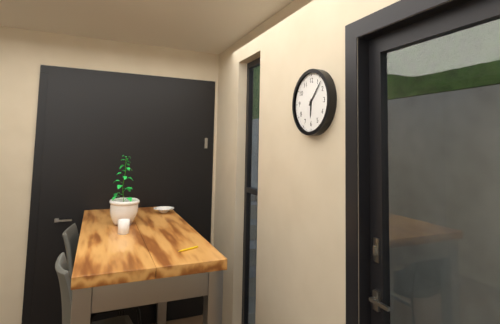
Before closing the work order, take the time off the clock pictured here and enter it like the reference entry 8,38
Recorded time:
6,07
